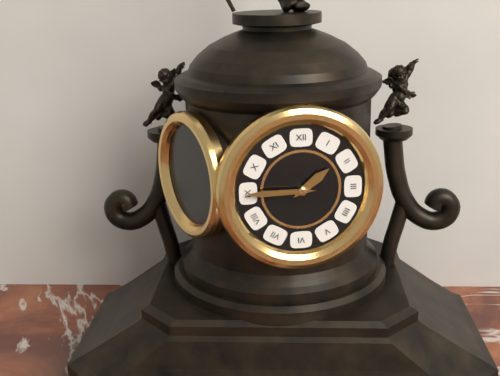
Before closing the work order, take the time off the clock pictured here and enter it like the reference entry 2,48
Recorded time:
1,45
